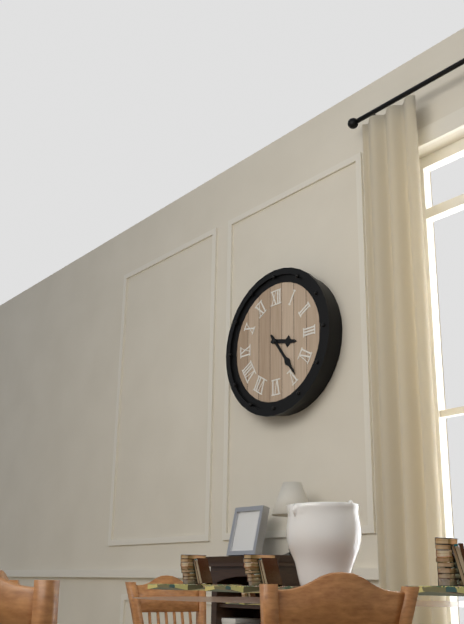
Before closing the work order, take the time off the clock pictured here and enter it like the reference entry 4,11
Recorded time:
3,24
